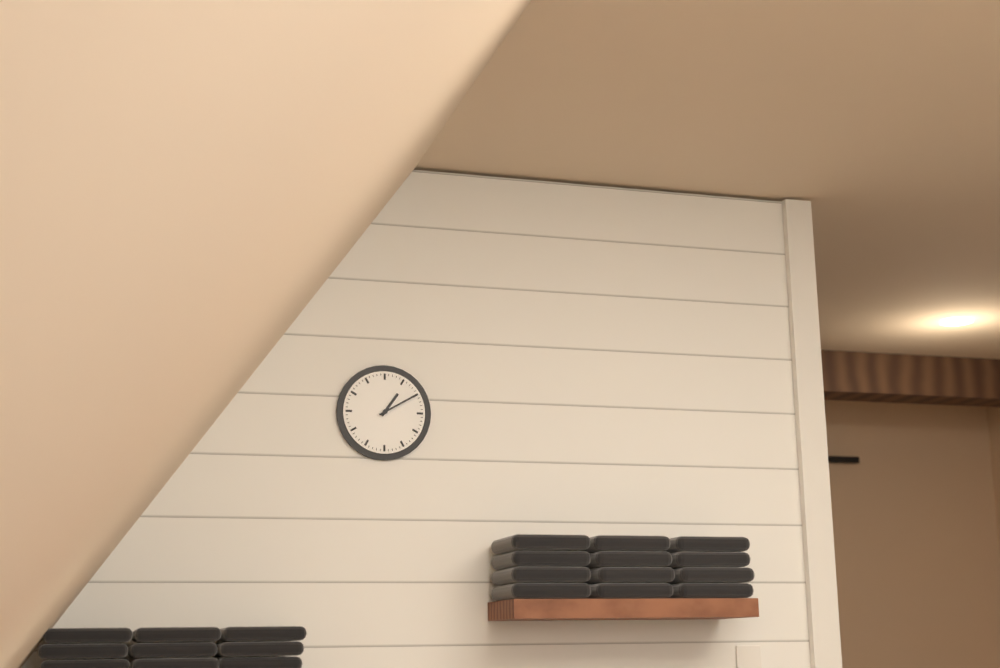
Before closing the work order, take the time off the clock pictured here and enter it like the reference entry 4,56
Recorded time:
1,10
